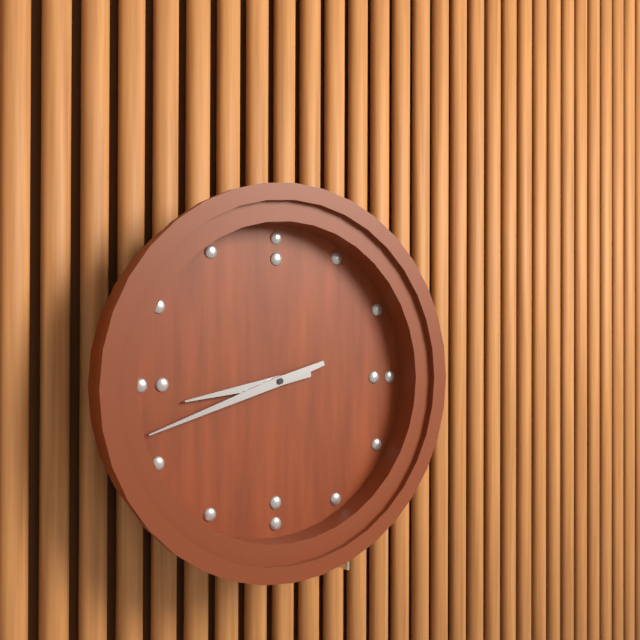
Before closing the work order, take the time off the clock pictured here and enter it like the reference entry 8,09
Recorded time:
8,42
